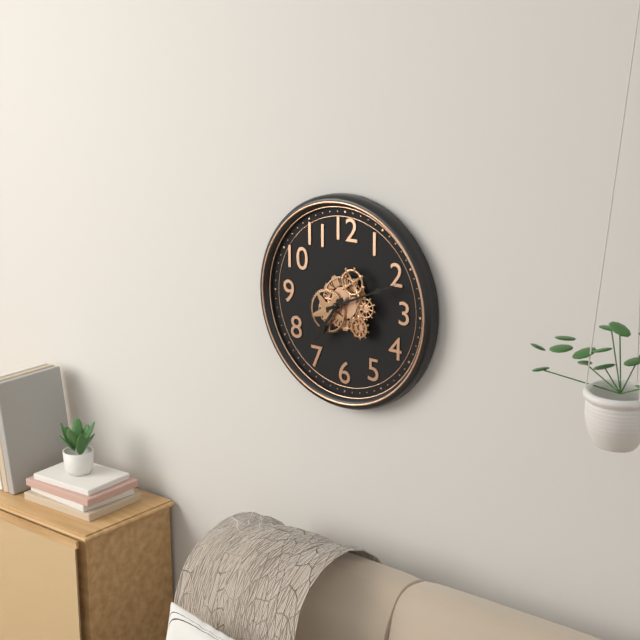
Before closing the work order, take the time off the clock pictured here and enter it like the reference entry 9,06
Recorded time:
7,11
